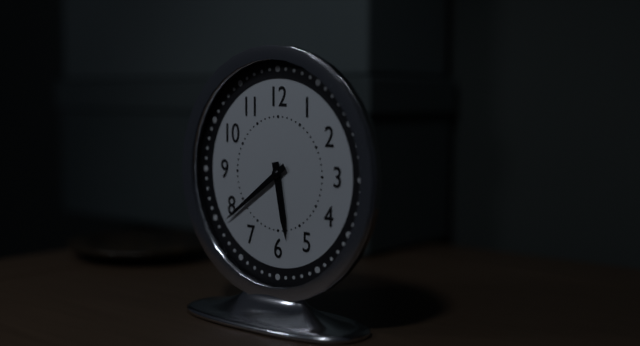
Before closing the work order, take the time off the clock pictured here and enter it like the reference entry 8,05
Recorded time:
5,39
